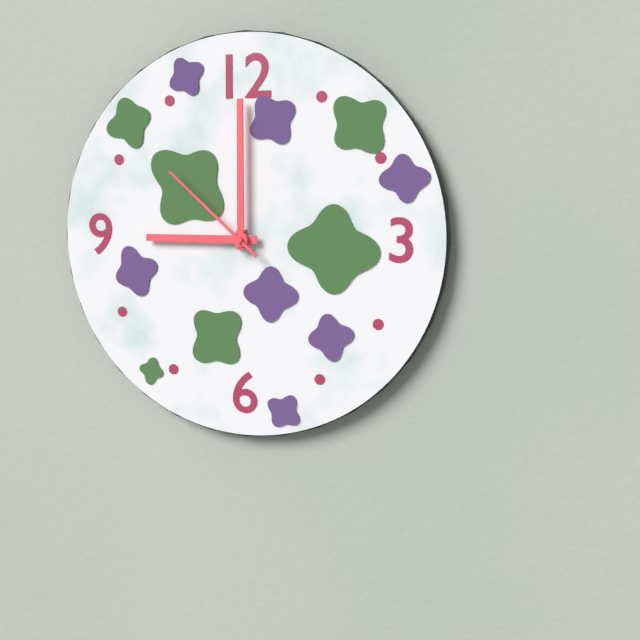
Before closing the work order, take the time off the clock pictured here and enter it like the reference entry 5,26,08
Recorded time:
9,00,52
